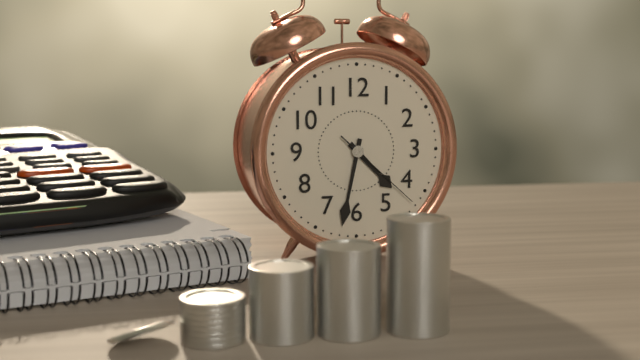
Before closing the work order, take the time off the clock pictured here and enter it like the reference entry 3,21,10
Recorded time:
4,32,22
